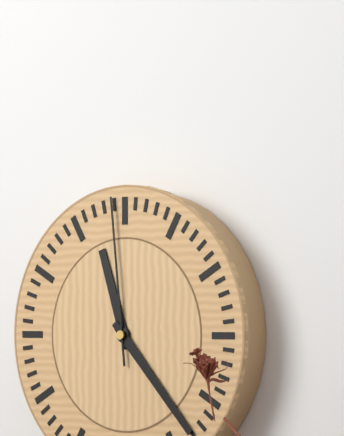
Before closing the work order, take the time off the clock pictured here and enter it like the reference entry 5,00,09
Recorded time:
11,23,59
